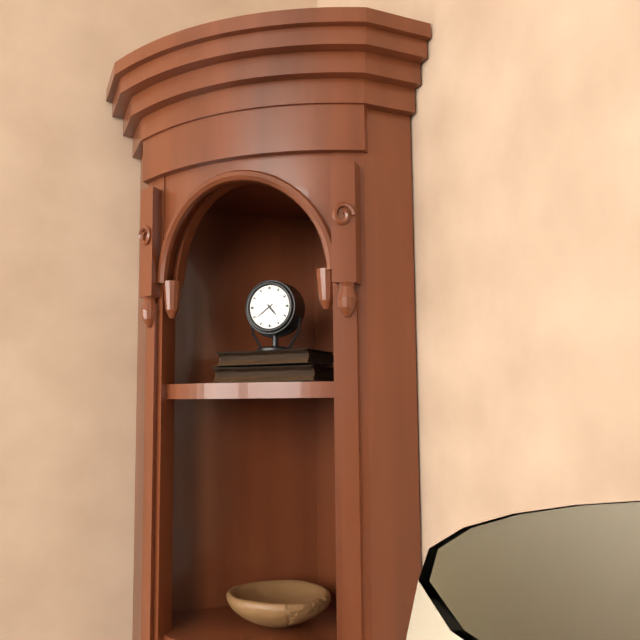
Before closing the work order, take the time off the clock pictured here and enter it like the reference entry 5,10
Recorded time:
4,39
